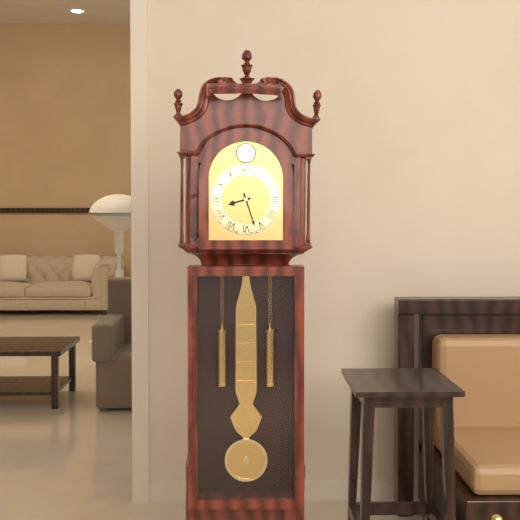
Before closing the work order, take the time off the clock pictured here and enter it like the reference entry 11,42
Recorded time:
8,27
